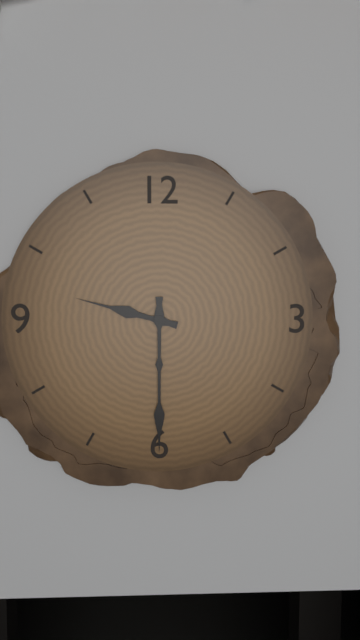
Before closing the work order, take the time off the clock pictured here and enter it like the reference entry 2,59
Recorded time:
9,30
